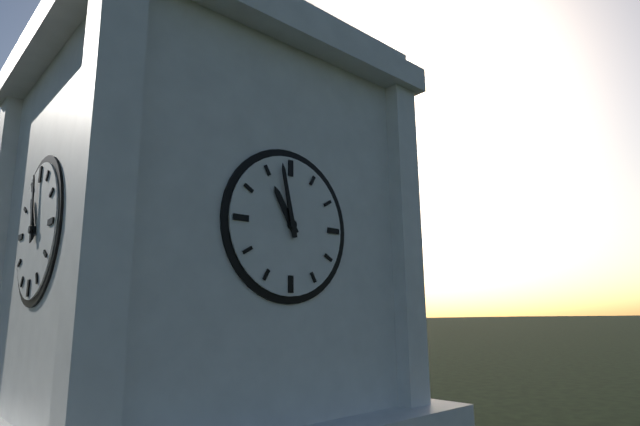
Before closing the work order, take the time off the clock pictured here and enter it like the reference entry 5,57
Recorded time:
10,58
